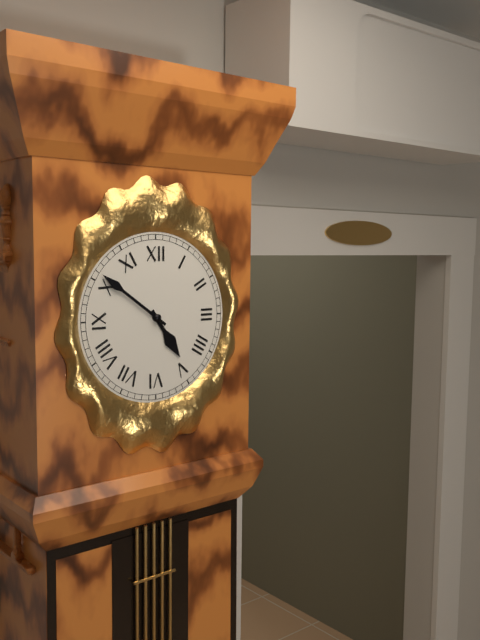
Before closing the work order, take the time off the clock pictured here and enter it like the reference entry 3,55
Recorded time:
4,51
